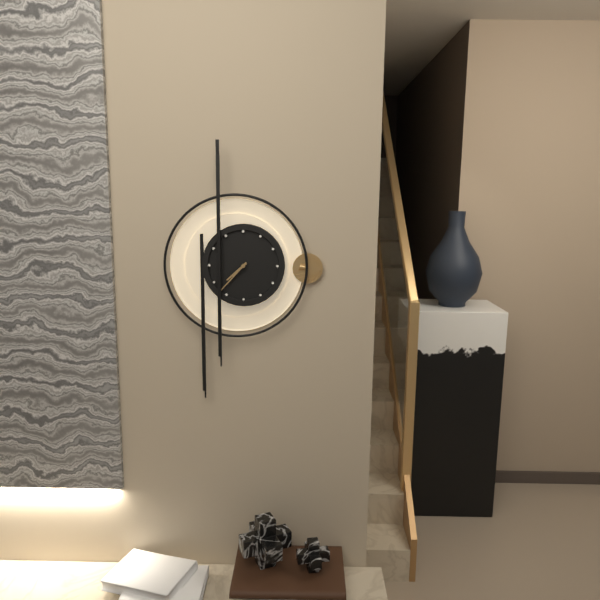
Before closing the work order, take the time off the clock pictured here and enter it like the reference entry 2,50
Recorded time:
7,37
